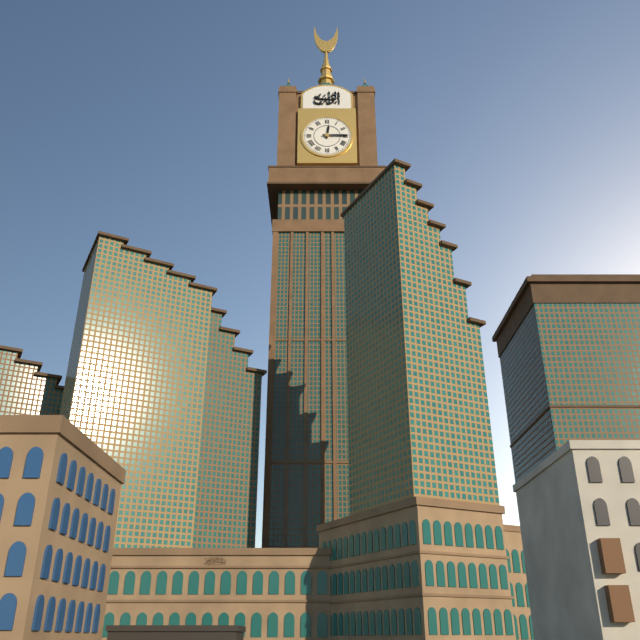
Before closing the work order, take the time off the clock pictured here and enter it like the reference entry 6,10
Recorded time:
12,15
